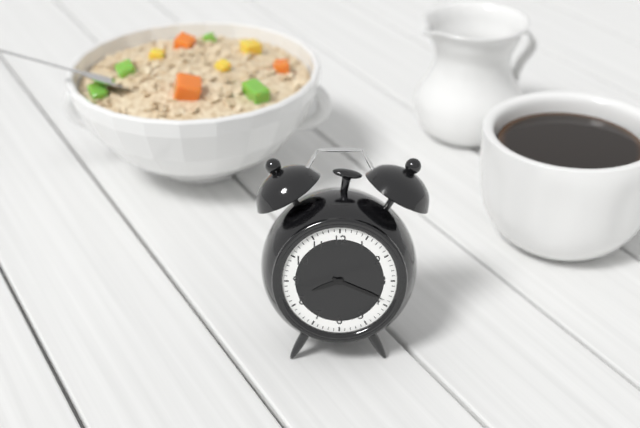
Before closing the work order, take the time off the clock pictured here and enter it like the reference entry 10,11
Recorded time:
8,19
